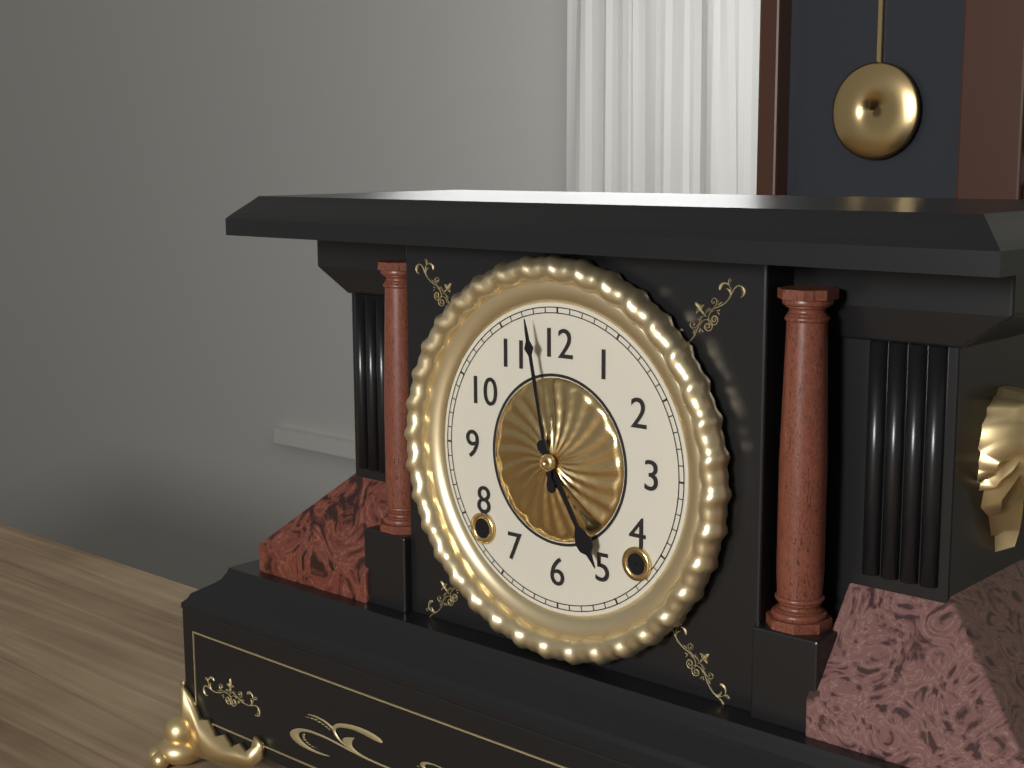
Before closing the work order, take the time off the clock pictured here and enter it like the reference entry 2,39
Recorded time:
4,58
